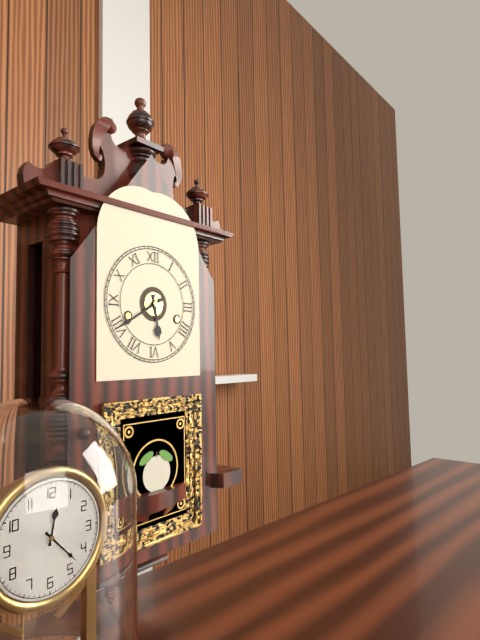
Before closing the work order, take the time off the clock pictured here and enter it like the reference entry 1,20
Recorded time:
5,40
